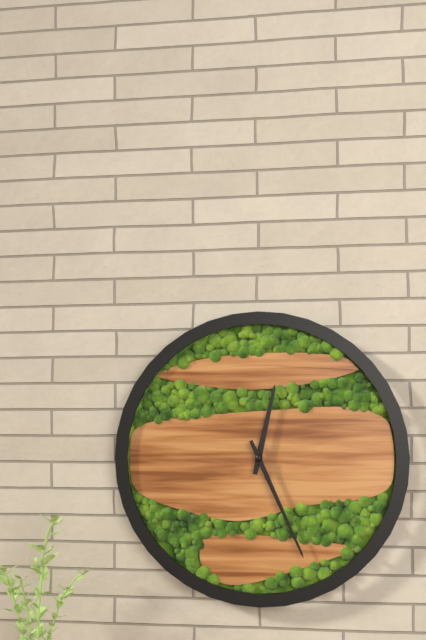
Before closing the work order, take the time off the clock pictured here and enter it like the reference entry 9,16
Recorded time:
12,26
